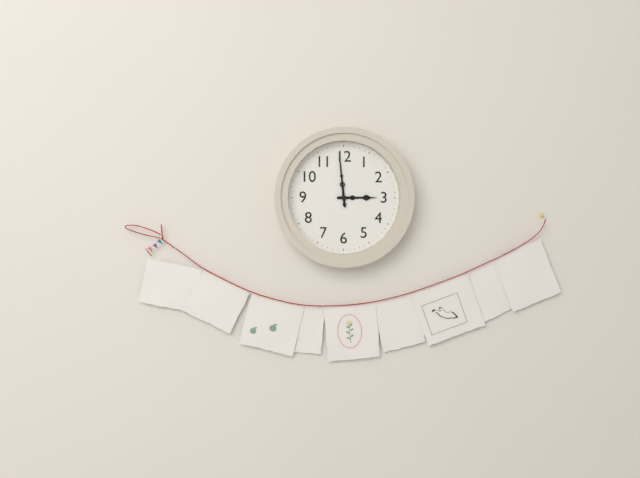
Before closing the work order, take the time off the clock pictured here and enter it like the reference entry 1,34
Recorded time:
2,59
